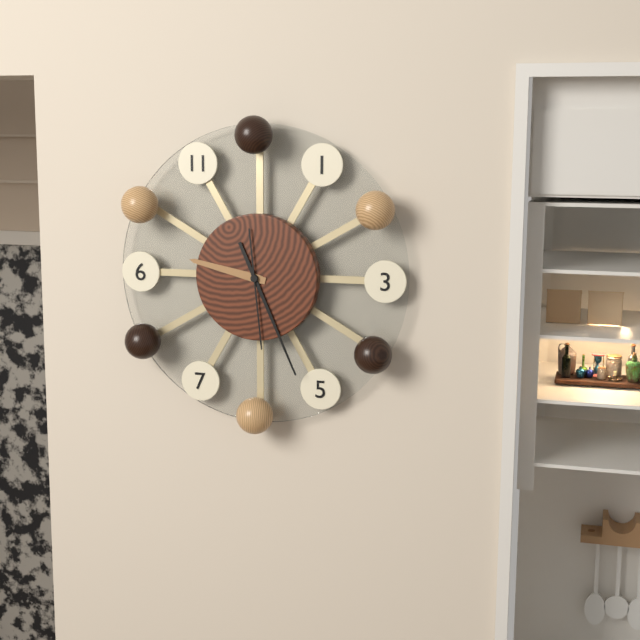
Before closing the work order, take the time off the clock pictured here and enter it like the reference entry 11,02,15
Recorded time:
9,26,29
